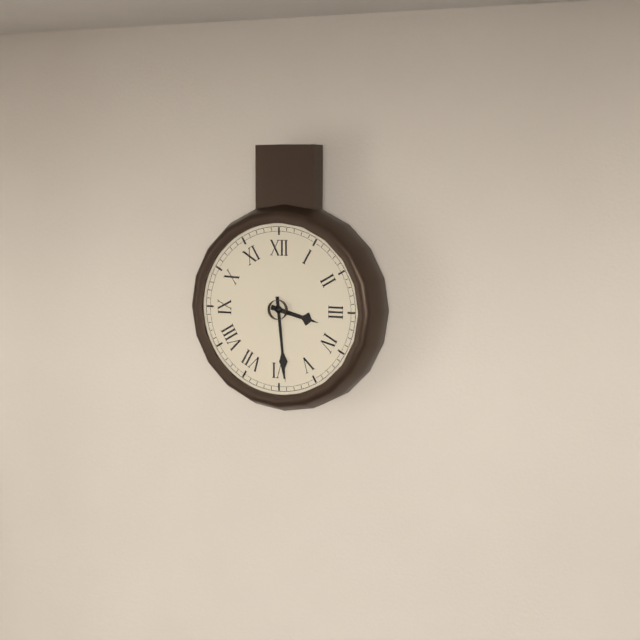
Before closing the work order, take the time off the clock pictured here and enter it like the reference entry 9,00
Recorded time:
3,29
